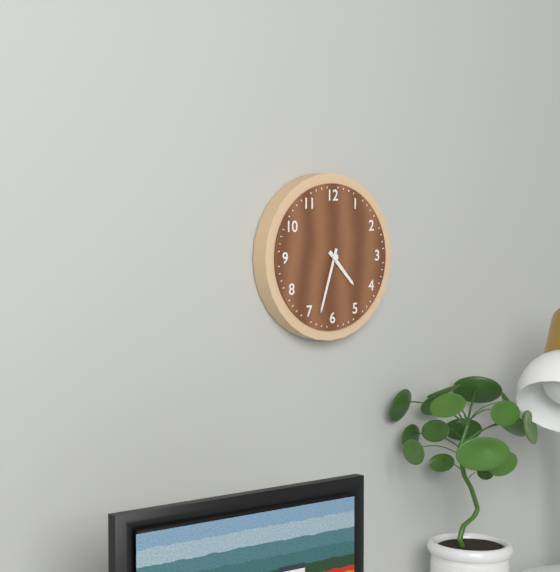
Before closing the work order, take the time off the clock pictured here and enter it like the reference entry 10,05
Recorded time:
4,33
